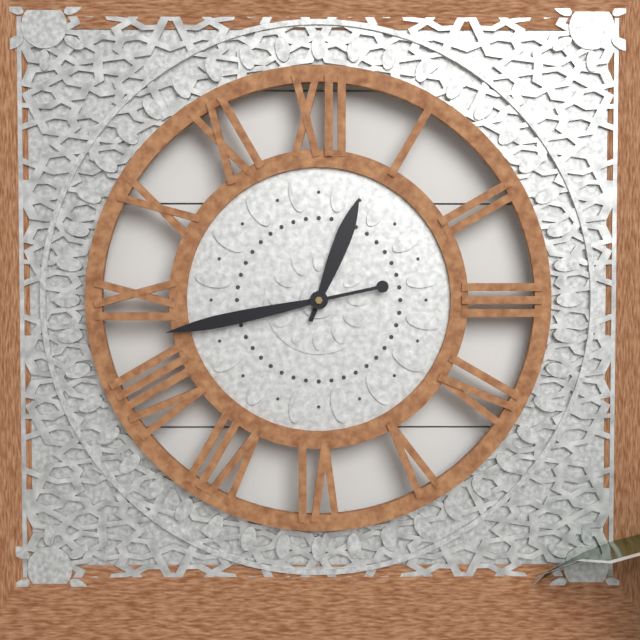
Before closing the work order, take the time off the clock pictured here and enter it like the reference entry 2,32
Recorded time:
12,43
